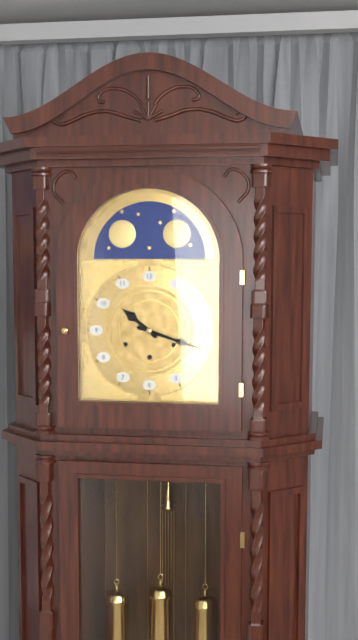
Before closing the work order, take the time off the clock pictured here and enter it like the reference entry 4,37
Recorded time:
10,18
